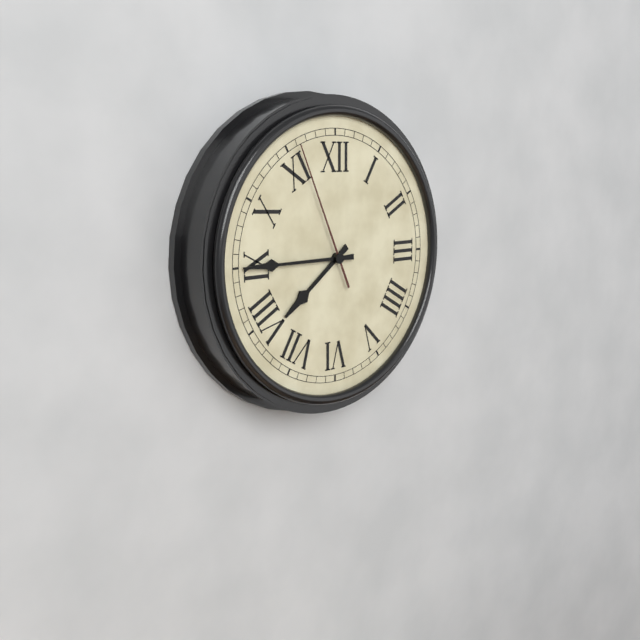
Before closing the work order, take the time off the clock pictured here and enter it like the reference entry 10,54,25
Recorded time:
7,45,56
